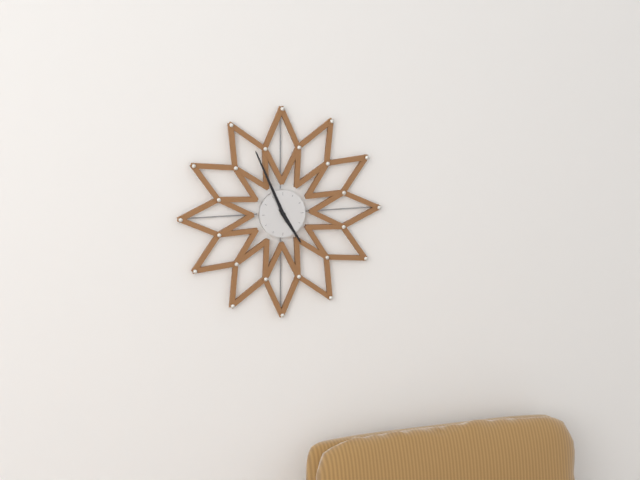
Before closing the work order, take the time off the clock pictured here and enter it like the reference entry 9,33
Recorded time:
4,56
